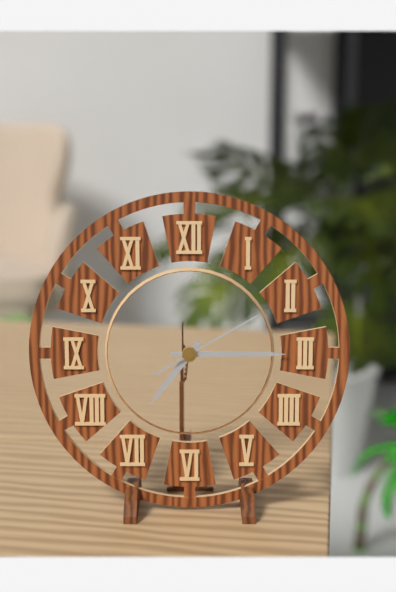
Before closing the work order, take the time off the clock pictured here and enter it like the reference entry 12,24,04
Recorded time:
7,15,10
